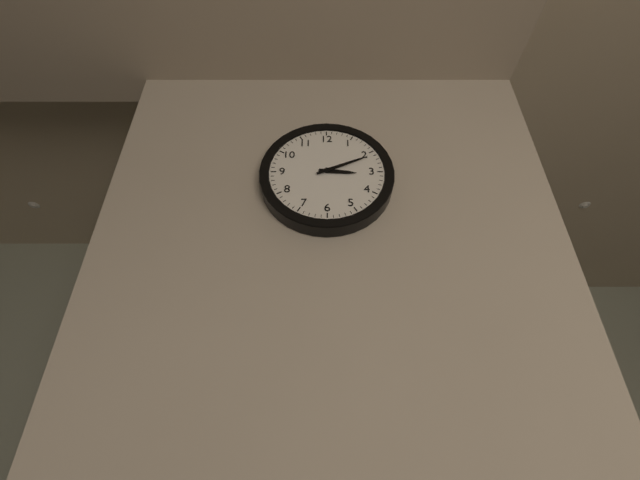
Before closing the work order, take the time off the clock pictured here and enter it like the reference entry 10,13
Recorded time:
3,11
